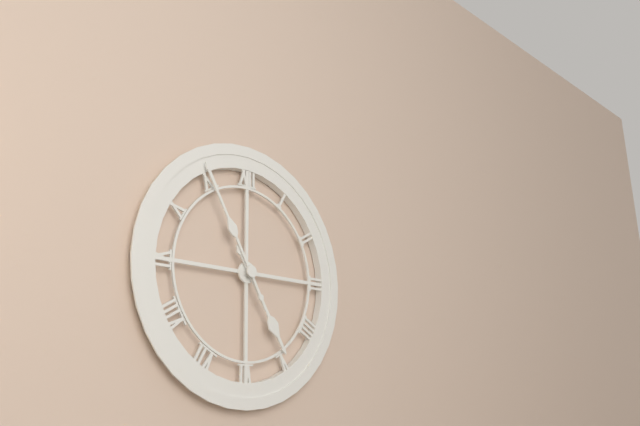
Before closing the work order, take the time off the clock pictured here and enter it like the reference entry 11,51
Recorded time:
4,55
